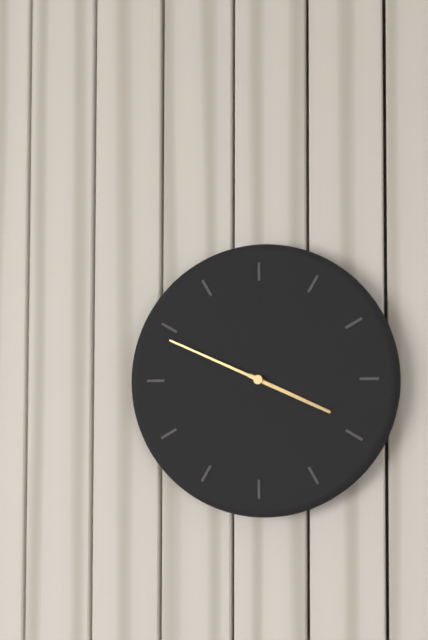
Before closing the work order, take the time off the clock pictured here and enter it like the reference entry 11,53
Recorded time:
3,49
